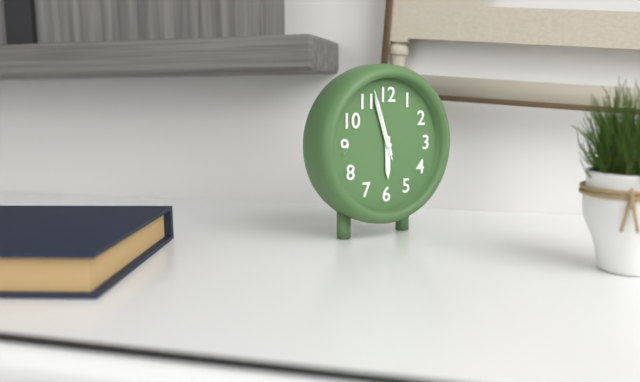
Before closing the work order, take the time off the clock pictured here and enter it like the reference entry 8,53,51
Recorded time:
5,57,57
